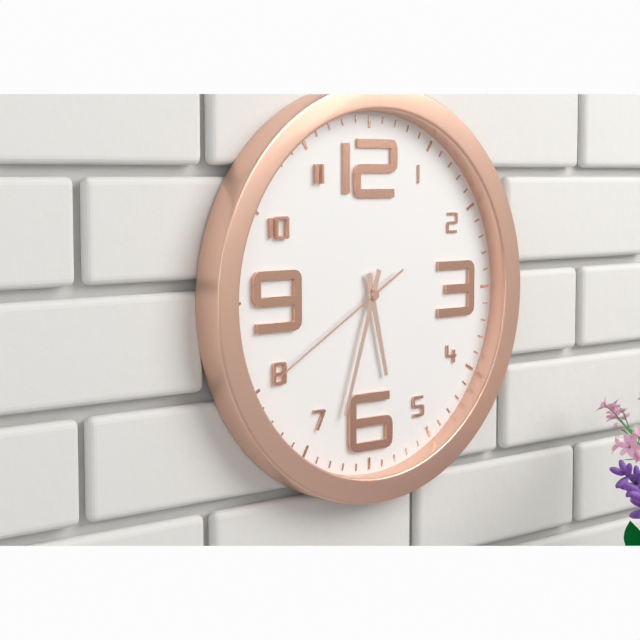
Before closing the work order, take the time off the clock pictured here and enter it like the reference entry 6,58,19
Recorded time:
5,33,40
